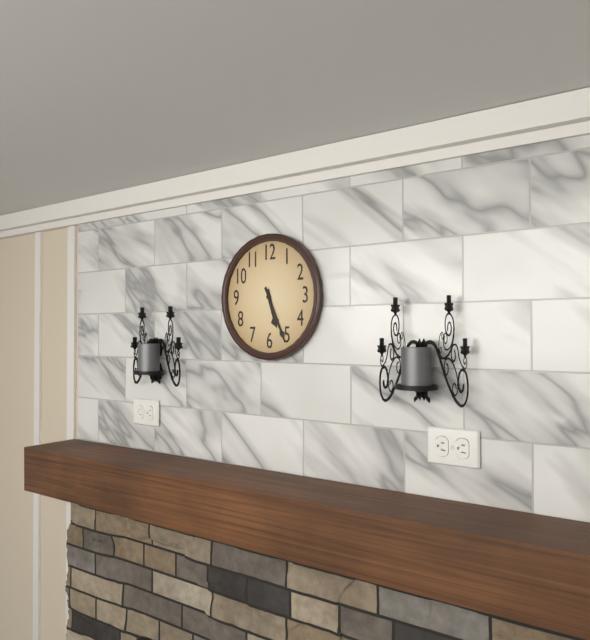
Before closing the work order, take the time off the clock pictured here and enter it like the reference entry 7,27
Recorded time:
5,26
